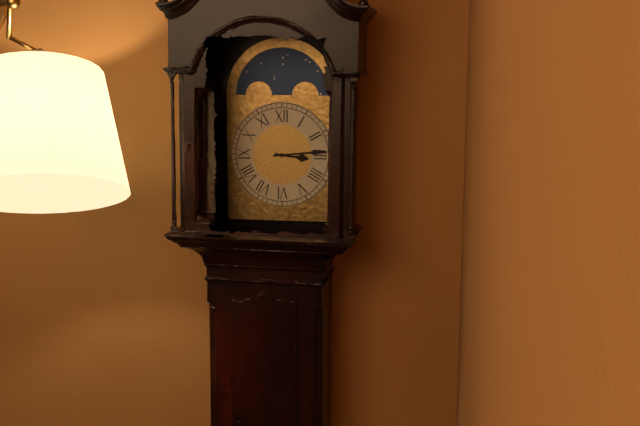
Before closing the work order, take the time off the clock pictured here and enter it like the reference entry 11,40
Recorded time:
3,14
